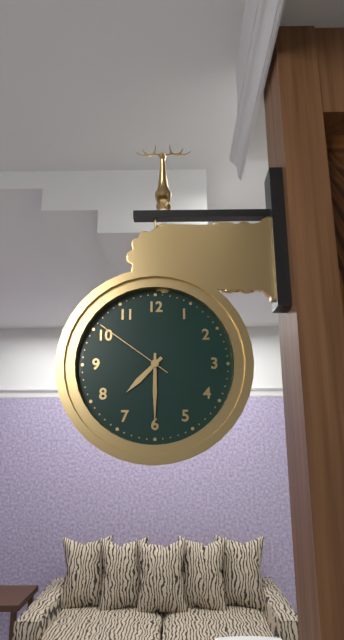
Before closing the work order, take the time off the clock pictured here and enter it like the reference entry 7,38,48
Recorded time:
7,30,51
